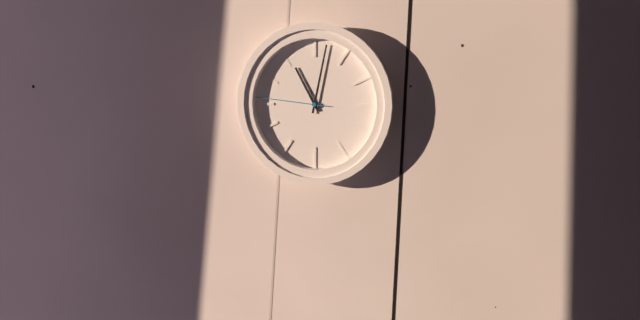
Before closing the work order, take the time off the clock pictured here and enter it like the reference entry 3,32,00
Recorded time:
11,02,46
